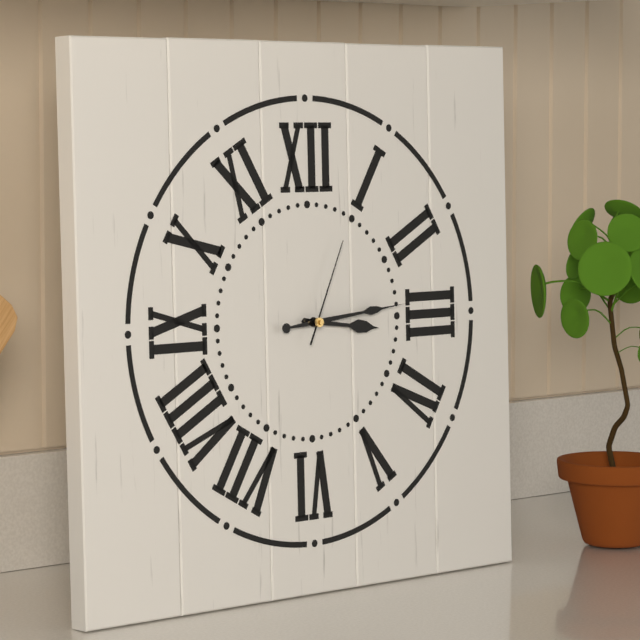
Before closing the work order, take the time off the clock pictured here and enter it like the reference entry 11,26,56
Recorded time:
3,14,04
